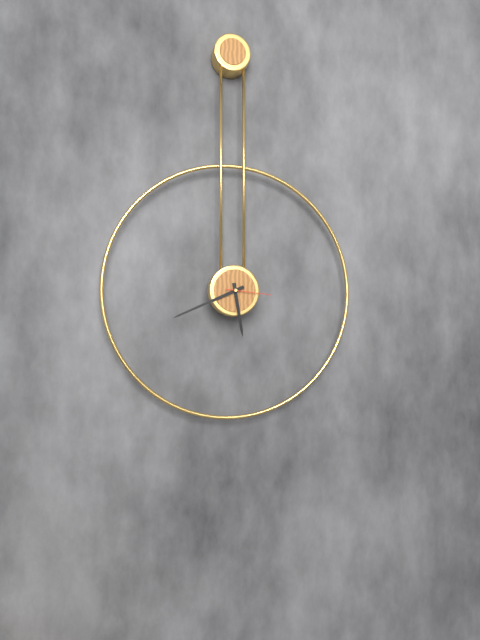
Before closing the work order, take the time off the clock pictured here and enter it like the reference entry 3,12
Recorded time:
5,41
